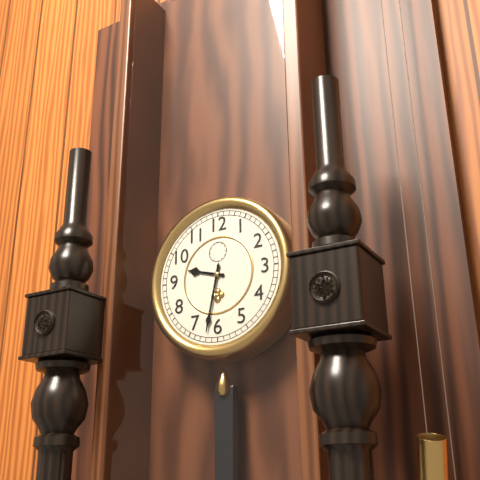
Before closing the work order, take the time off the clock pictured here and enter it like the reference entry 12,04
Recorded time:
9,32
